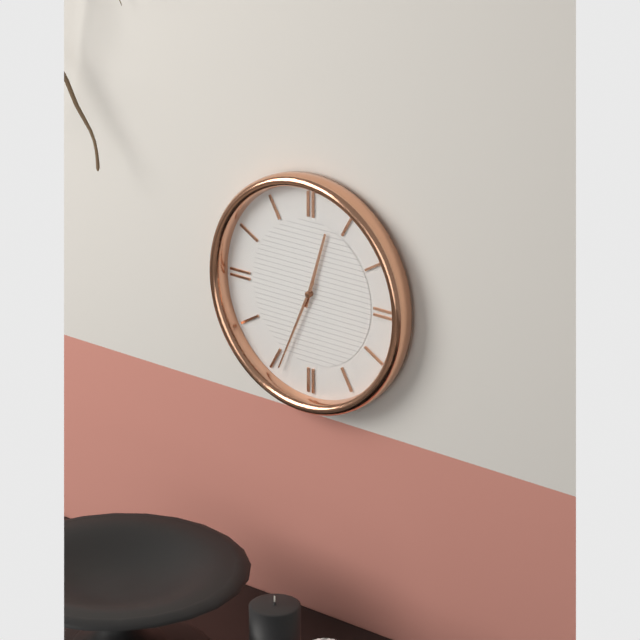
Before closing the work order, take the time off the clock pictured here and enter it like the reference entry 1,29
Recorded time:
12,34
